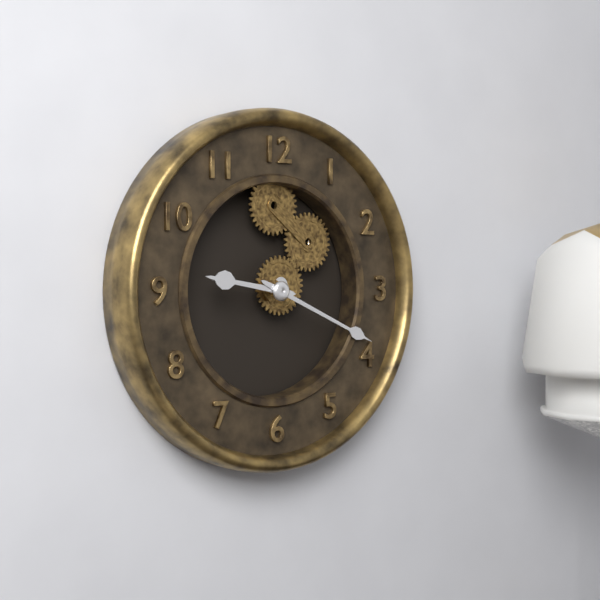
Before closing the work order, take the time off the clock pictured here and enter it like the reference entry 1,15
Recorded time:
9,19
